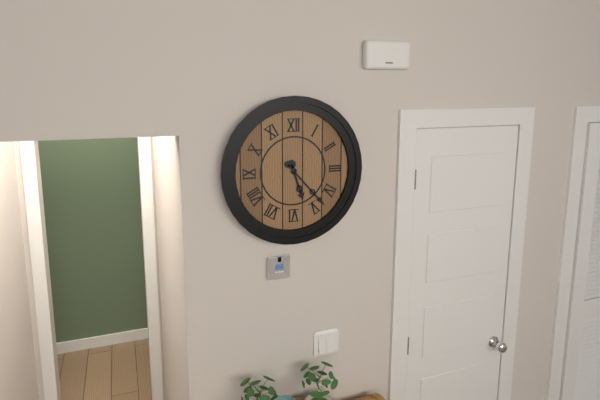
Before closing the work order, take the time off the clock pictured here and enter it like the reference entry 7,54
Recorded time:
5,23
